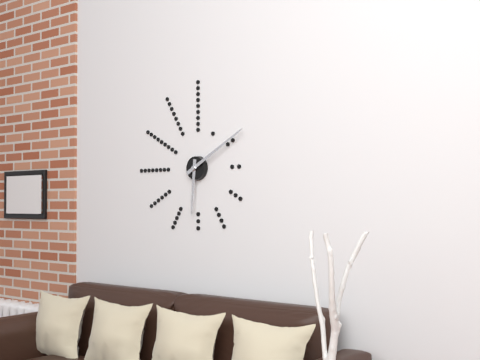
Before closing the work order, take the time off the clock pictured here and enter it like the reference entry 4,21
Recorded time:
6,10
